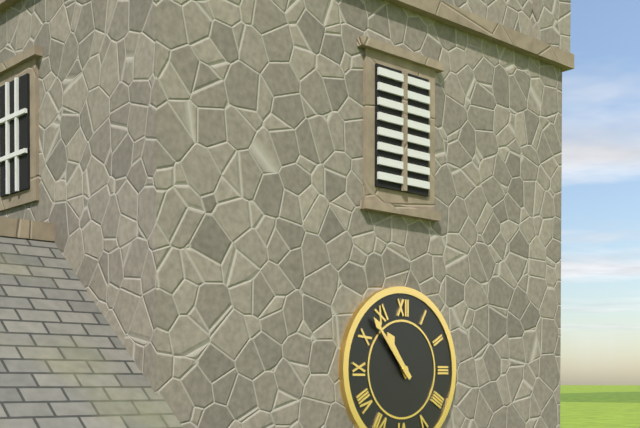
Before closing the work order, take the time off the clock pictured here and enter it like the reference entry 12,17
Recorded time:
10,53
